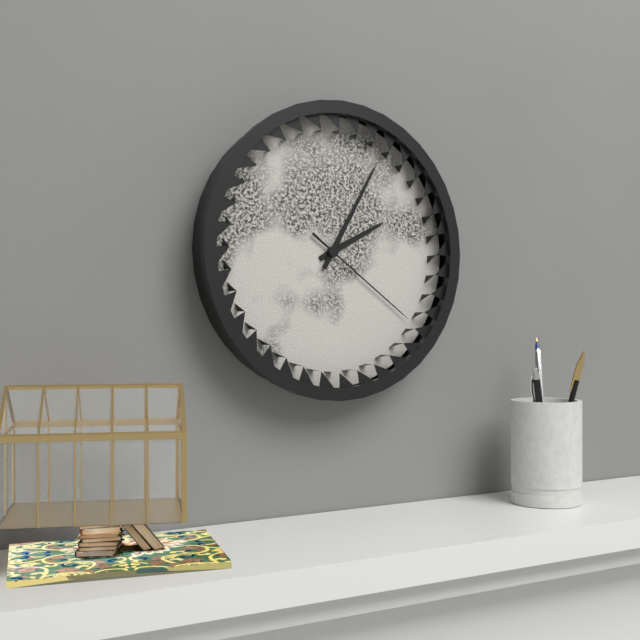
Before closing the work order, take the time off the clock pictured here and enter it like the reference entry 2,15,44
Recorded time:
2,05,21
